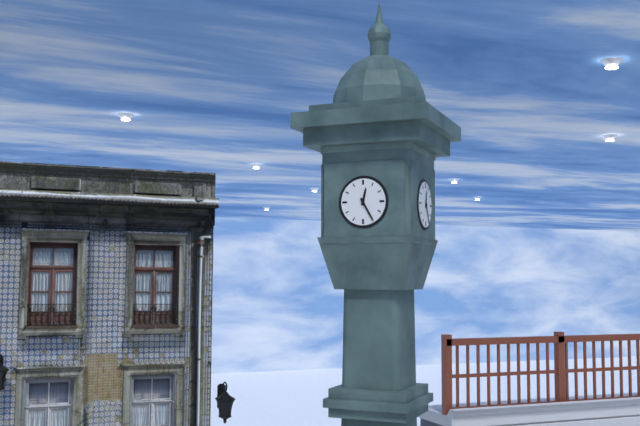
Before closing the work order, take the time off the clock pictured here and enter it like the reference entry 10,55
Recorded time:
12,25
